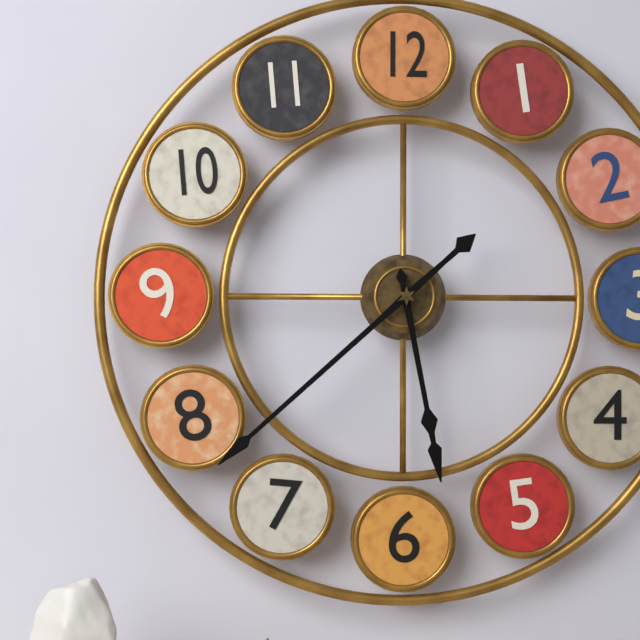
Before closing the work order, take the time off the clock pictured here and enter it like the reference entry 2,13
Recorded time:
5,38
